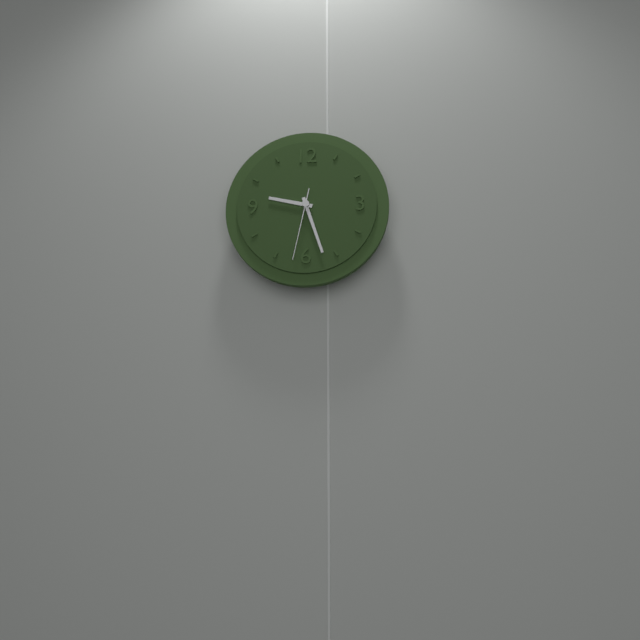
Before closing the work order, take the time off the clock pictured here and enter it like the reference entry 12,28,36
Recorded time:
9,27,32
